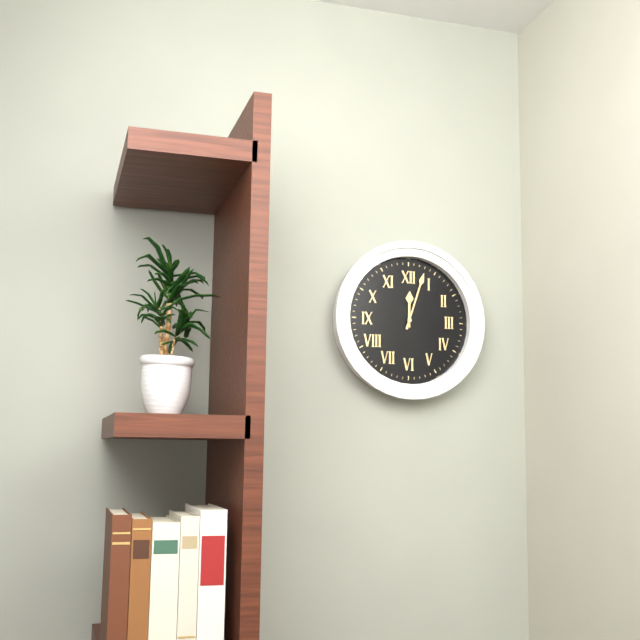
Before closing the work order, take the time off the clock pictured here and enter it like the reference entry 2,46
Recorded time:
12,03
